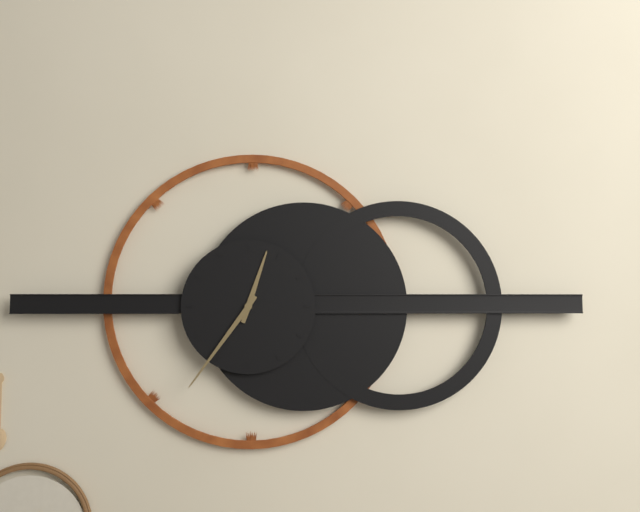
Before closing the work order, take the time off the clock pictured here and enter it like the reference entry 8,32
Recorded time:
12,36
